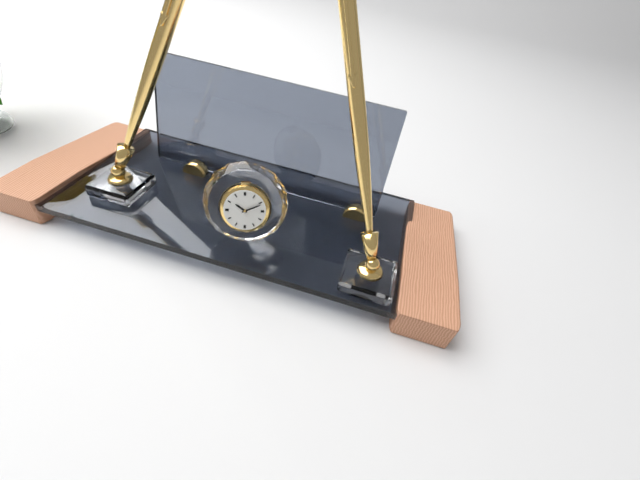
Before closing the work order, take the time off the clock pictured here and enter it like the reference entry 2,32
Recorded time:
10,11
